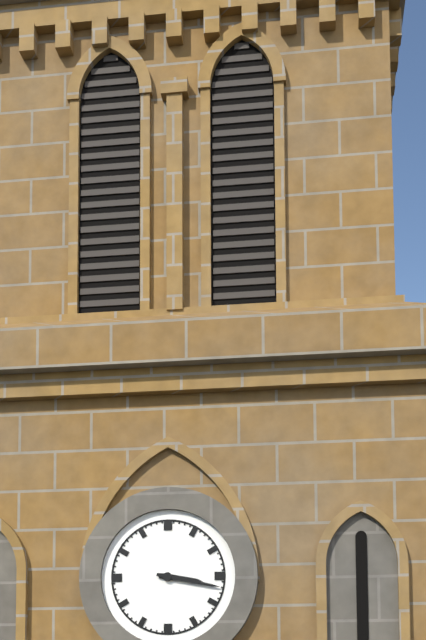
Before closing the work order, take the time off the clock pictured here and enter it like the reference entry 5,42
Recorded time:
3,17
